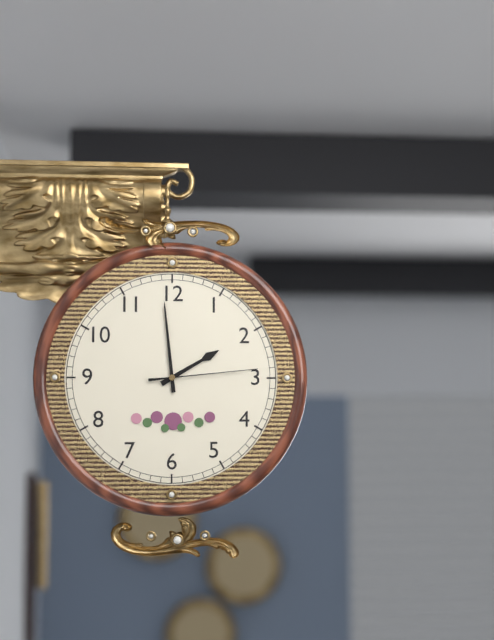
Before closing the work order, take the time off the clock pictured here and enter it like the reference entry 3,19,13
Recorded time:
1,59,14
